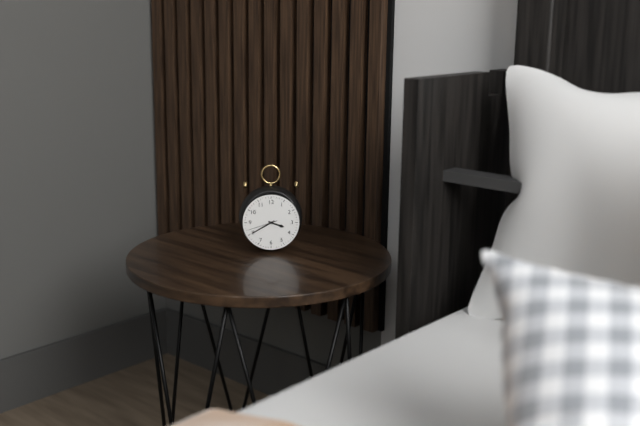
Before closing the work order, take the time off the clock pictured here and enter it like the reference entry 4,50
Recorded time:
3,40
